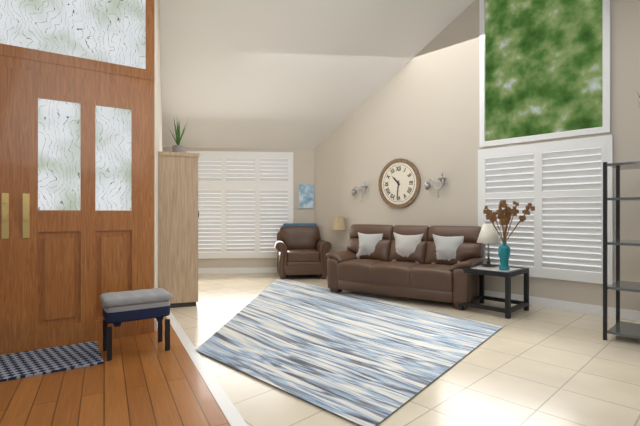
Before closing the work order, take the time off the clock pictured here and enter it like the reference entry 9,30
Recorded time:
10,31
